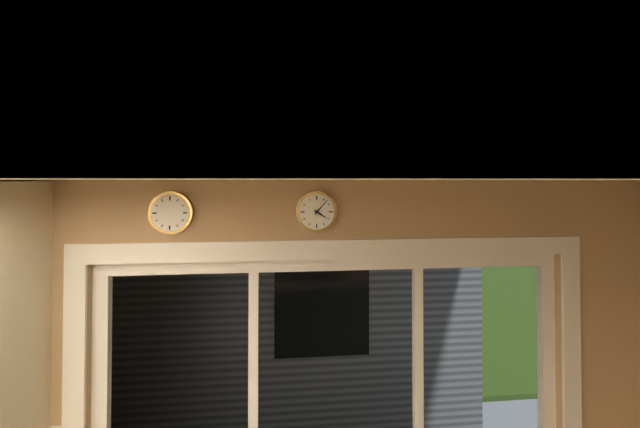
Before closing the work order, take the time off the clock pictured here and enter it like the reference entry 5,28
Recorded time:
4,07
